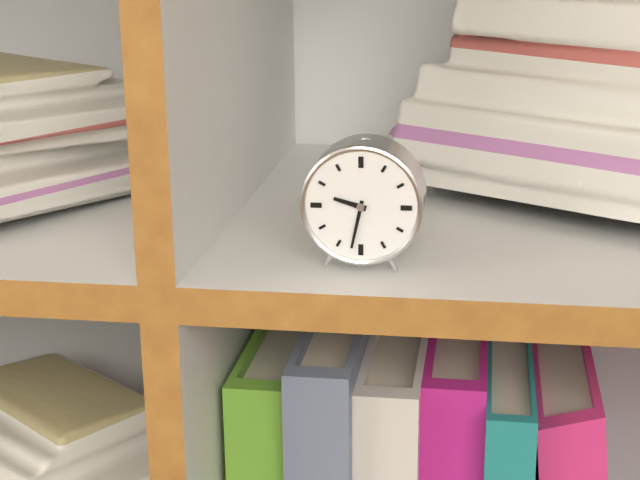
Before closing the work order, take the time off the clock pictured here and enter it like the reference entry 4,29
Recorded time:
9,32
